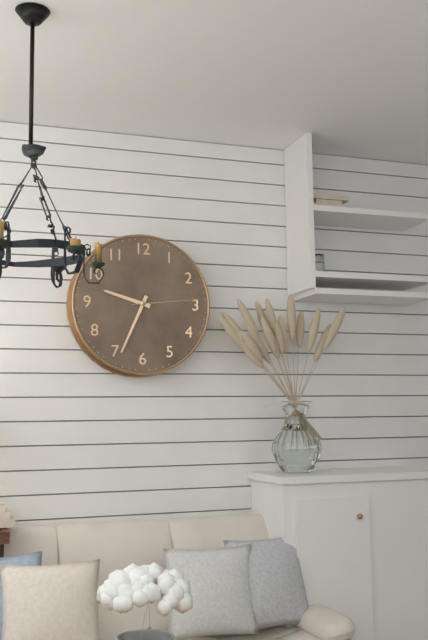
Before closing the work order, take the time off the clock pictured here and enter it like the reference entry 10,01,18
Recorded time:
9,34,14
